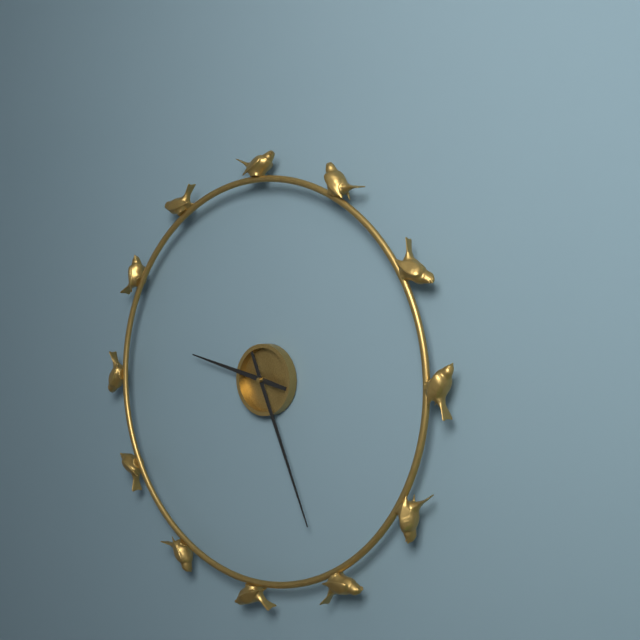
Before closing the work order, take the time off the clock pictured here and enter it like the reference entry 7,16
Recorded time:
9,26
